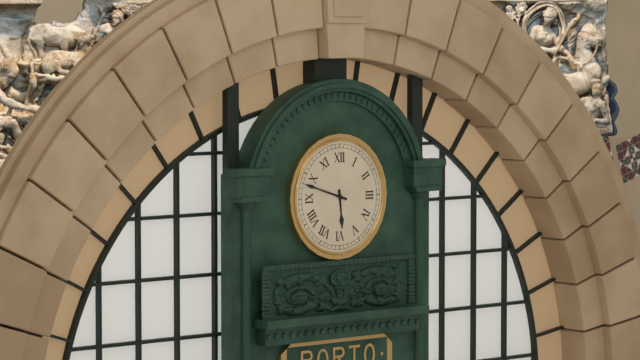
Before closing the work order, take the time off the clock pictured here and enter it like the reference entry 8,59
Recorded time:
5,48
